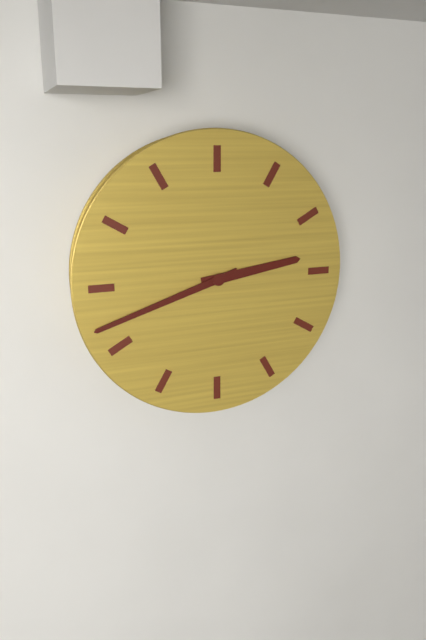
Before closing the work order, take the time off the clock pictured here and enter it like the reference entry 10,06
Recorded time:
2,42
